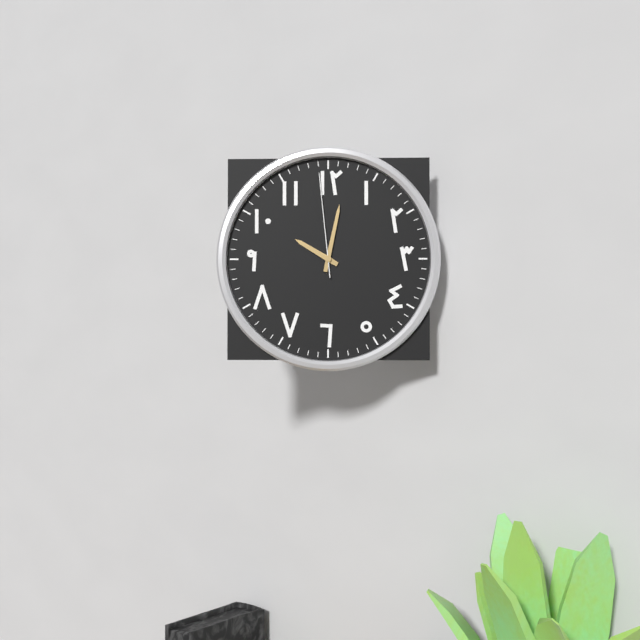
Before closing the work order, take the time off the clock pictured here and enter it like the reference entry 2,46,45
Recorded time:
10,02,59
